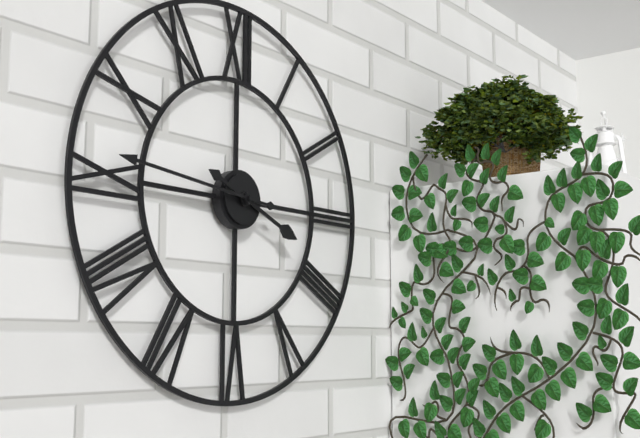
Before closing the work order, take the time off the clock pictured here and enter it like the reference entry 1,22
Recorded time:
3,46
